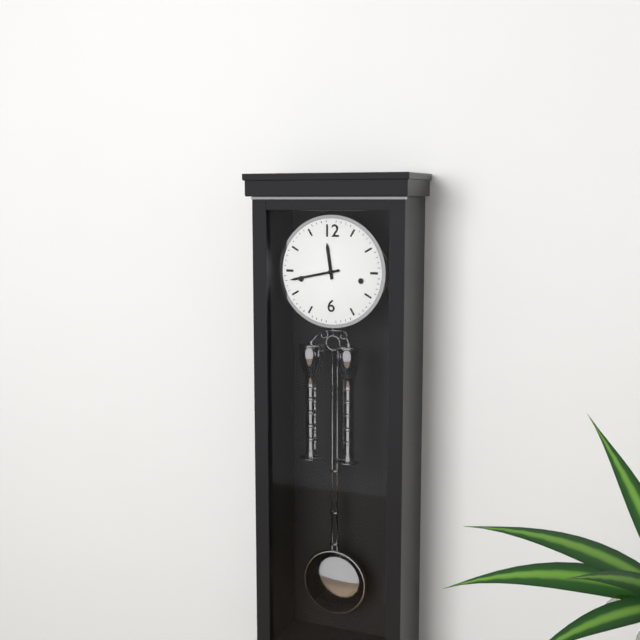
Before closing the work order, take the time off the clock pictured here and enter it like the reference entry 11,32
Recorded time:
11,43
